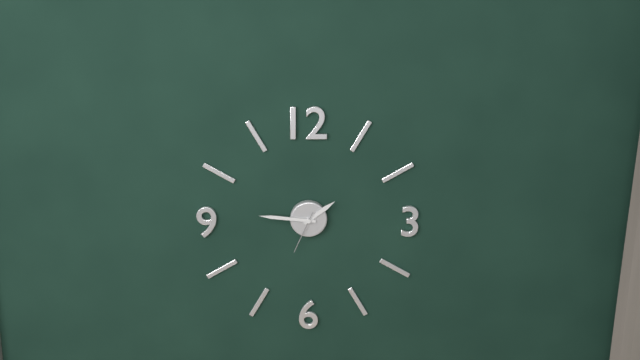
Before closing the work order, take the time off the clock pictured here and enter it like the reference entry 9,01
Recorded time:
1,46
